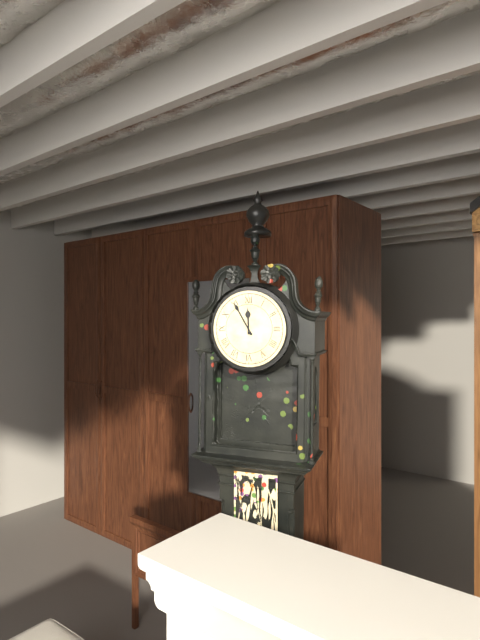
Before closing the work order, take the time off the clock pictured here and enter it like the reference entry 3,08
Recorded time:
11,55
